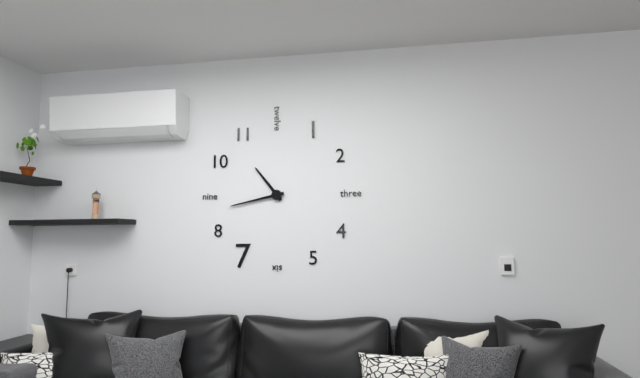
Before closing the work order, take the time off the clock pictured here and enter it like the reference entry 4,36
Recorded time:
10,43
